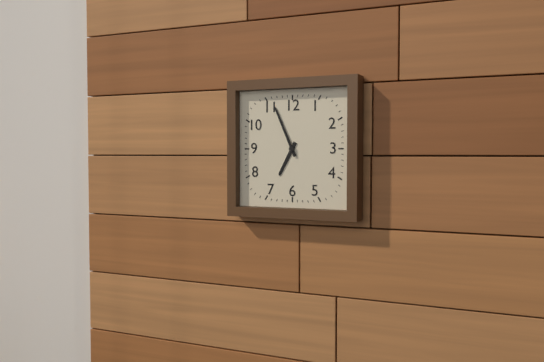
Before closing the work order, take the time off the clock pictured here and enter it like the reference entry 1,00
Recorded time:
6,56
